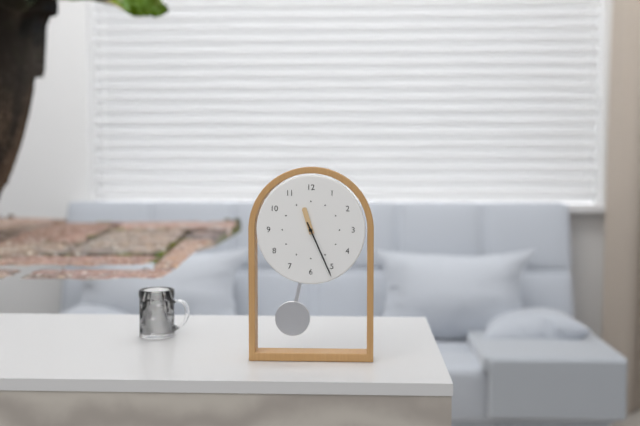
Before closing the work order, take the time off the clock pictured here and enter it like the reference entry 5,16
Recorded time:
11,26
